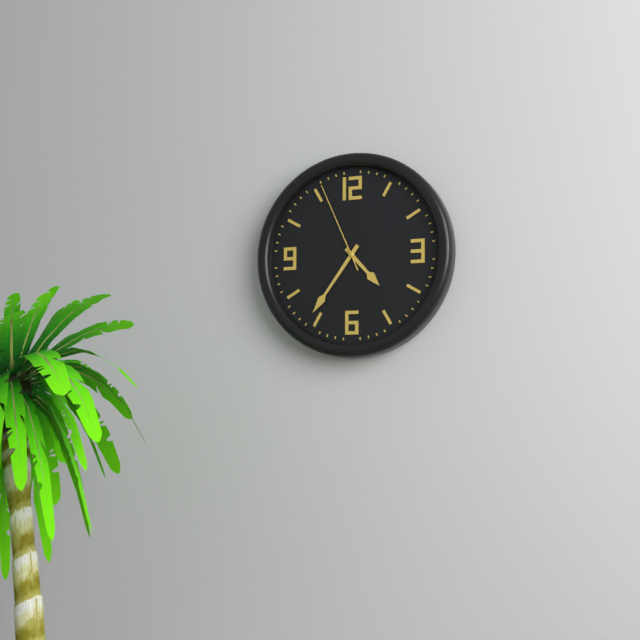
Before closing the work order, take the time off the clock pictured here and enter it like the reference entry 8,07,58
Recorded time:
4,36,56
